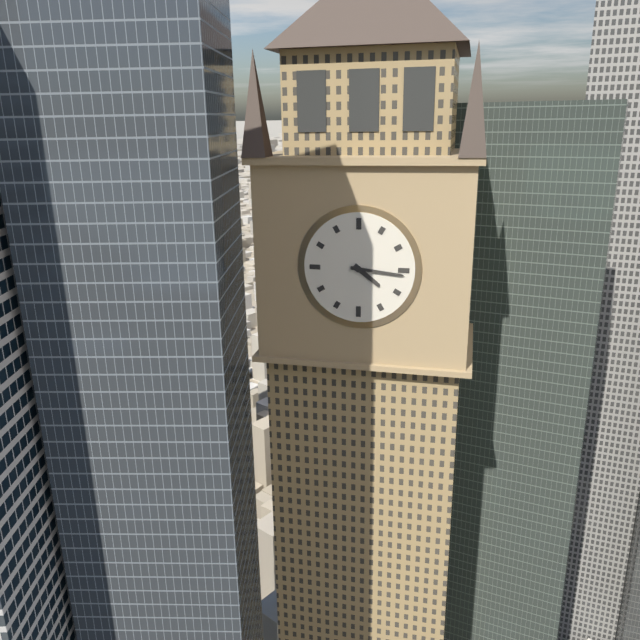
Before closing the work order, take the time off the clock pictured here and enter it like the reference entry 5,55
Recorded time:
4,16
